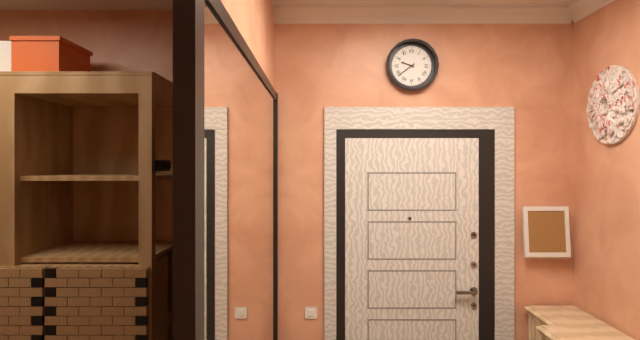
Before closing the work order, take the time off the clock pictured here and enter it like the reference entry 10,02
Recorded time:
9,39
